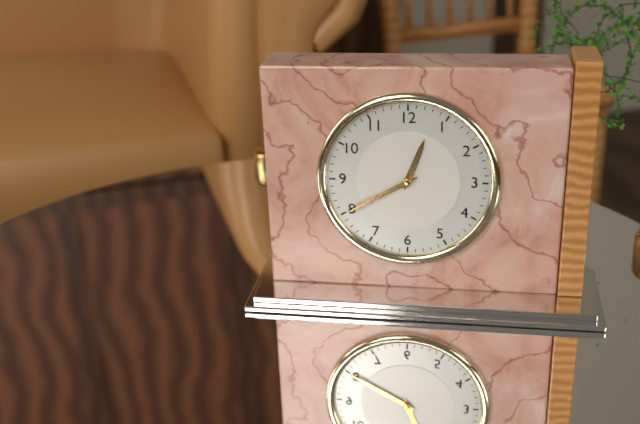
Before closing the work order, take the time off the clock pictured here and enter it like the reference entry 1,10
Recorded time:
12,40
